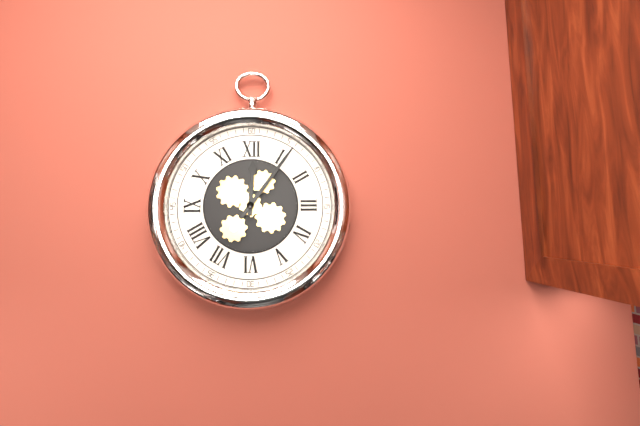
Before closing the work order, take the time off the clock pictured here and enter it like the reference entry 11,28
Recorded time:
12,06
